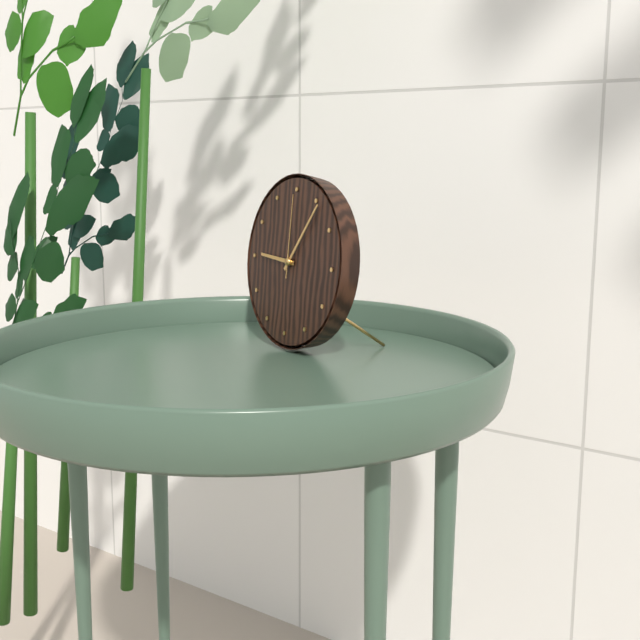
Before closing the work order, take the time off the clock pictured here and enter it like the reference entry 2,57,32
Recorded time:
9,06,00
